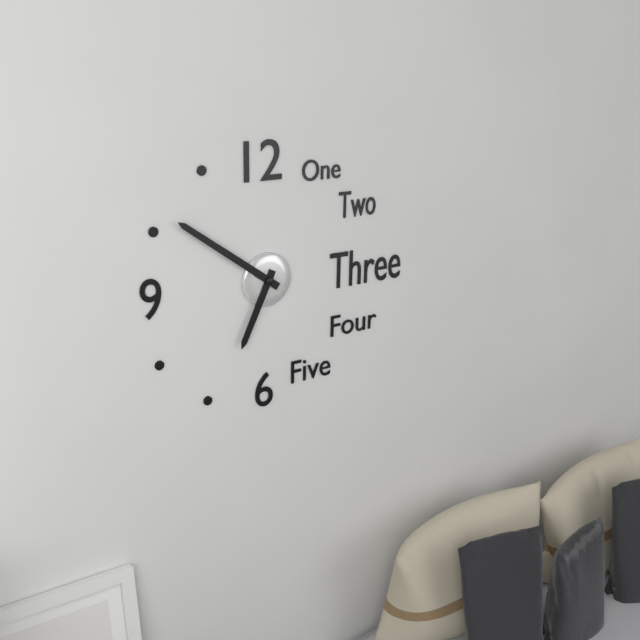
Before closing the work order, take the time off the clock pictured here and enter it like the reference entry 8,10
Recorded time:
6,51
